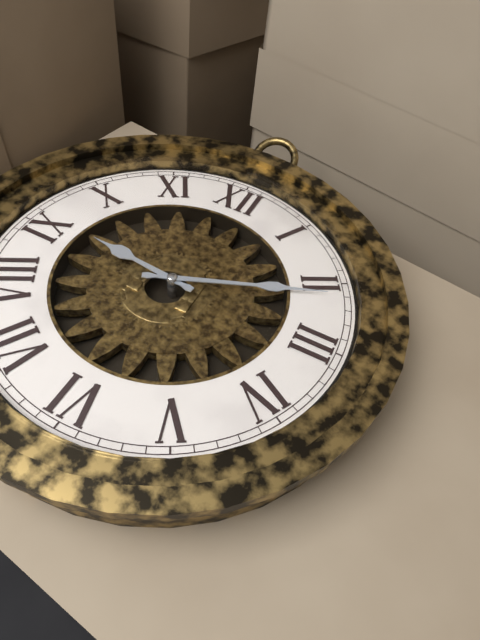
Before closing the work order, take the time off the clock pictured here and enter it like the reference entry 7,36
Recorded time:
9,11
